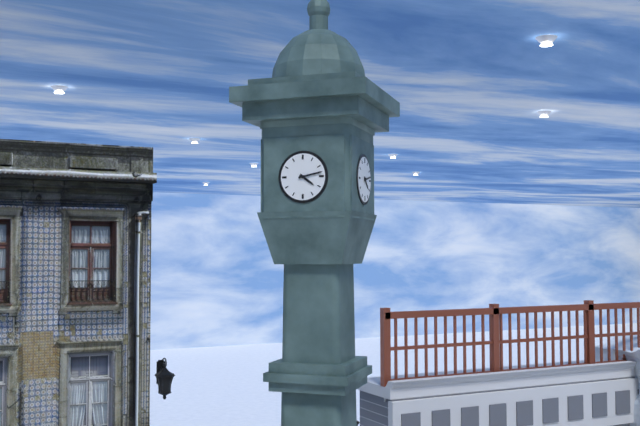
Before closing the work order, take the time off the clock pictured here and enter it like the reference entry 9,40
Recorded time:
4,13
